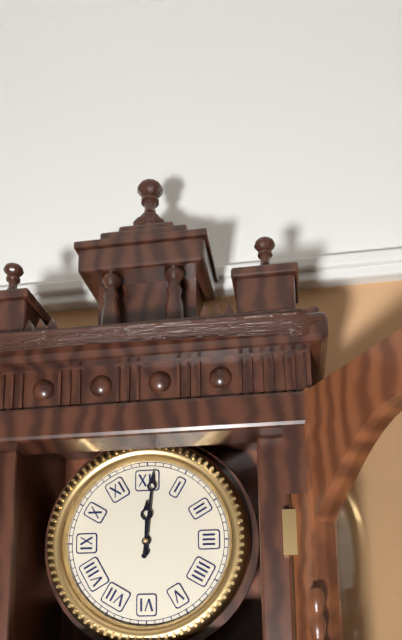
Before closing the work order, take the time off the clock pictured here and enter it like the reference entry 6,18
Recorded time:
12,01
